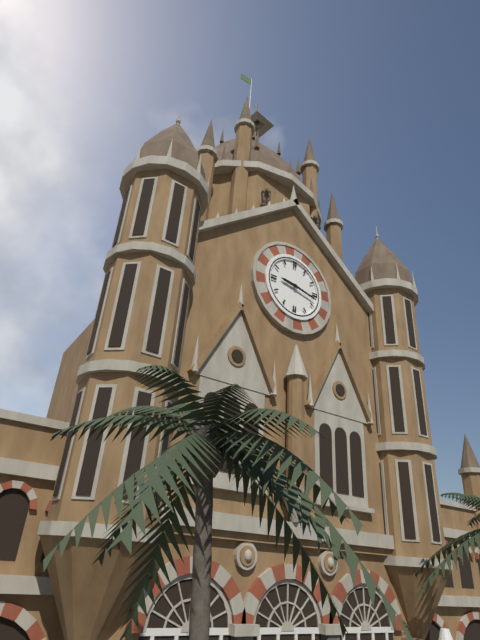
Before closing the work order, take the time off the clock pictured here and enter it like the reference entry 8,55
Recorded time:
9,17
